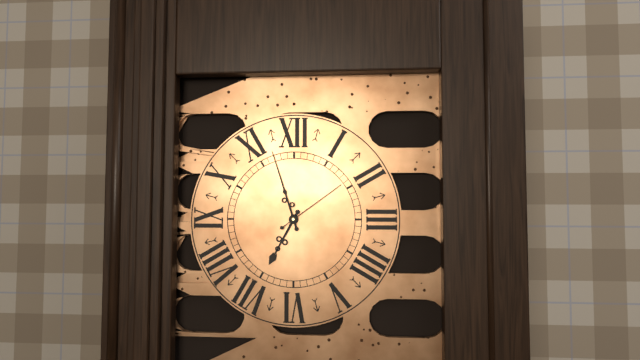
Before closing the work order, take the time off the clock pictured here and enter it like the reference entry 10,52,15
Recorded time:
6,57,09
